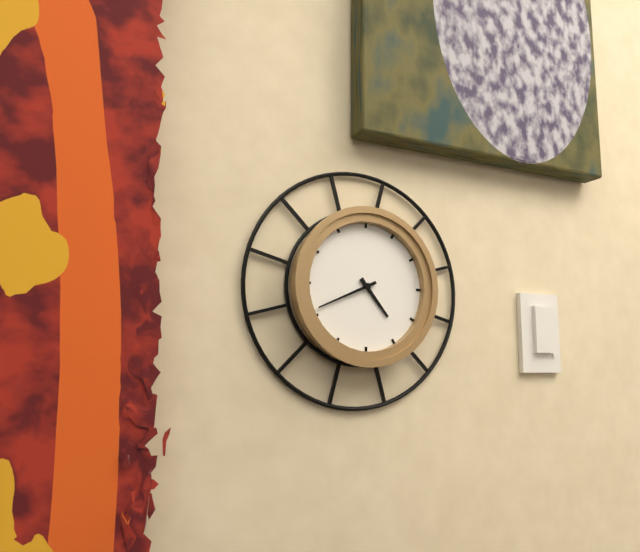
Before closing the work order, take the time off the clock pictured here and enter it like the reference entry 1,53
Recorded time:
4,41
